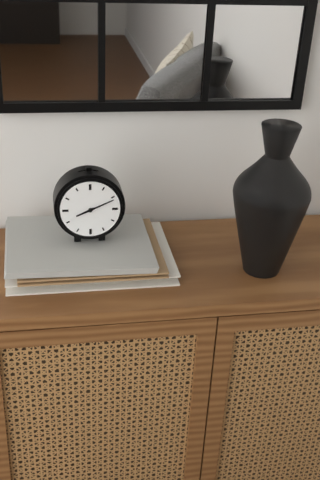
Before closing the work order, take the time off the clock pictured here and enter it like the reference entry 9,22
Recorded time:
8,11
